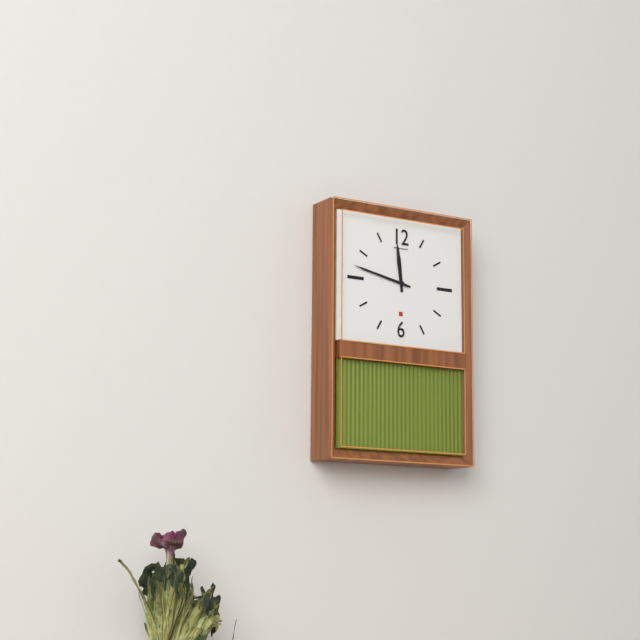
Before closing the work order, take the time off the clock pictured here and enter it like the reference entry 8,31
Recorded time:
11,47
